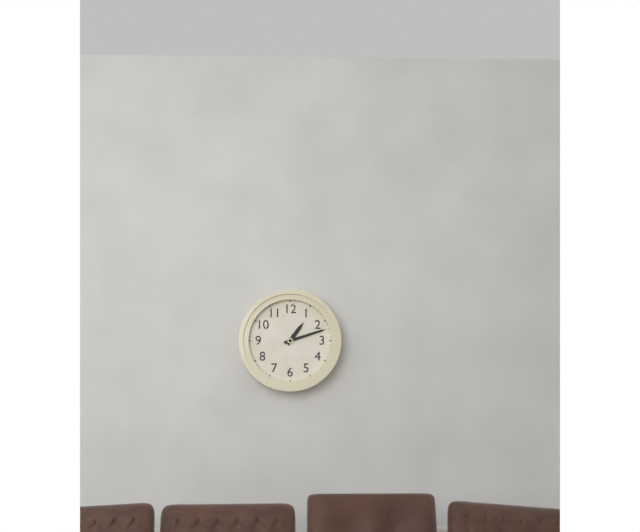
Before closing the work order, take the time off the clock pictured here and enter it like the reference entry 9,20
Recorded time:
1,12
